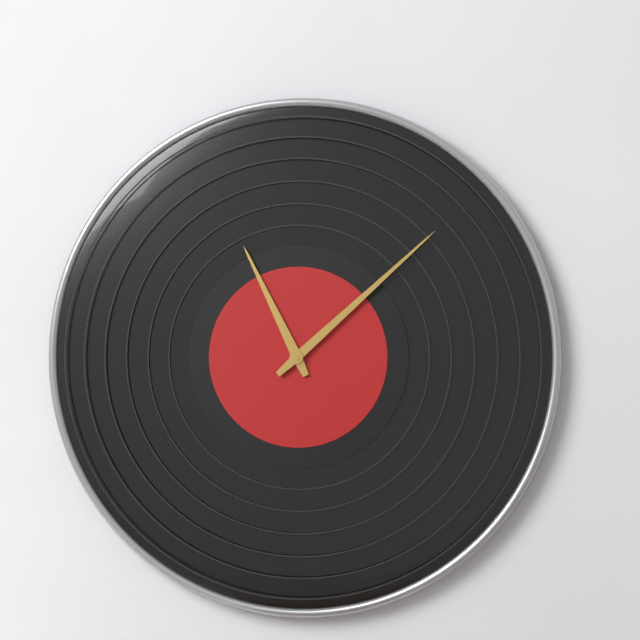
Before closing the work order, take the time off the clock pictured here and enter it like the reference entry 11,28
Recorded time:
11,08
